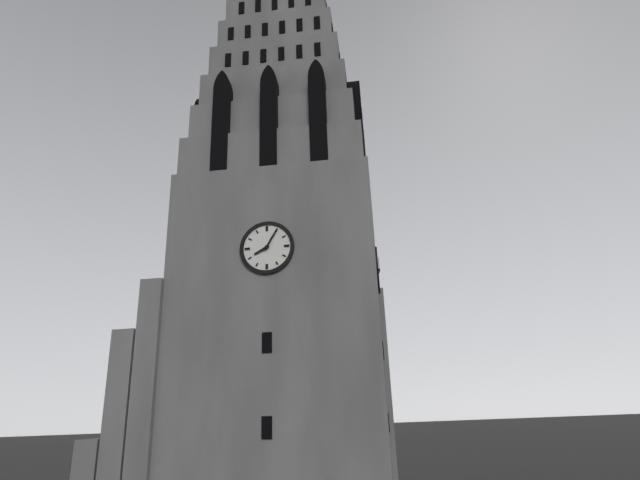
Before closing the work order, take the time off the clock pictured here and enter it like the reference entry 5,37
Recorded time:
8,05
